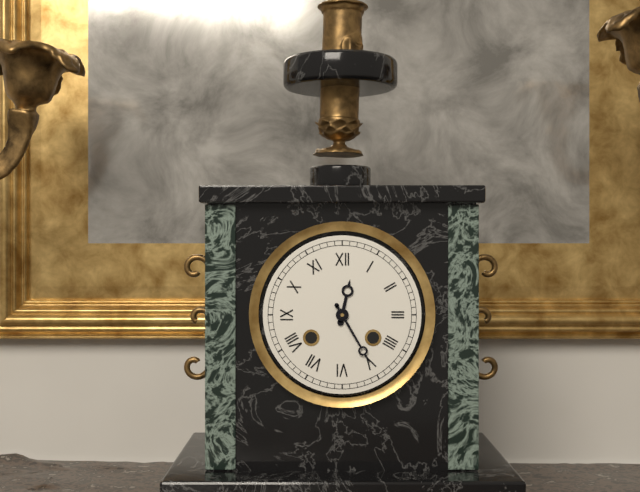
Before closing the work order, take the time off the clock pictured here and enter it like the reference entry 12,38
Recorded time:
12,25
